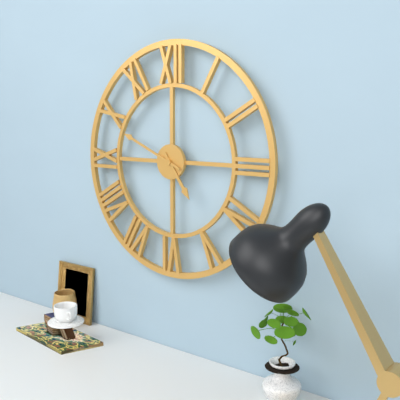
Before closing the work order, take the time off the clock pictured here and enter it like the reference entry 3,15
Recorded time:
4,49
